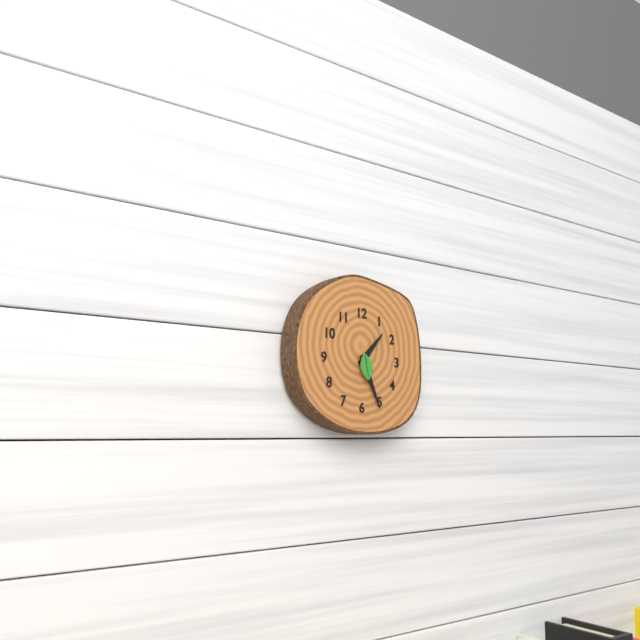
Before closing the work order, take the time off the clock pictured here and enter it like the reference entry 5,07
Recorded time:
1,26
